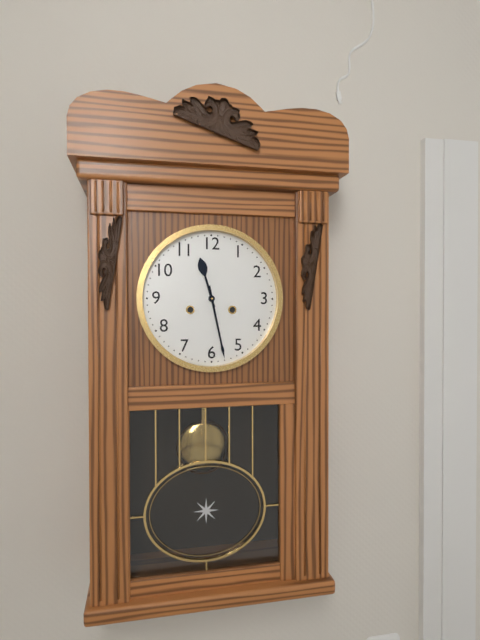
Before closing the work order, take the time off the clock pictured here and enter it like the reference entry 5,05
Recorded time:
11,28
